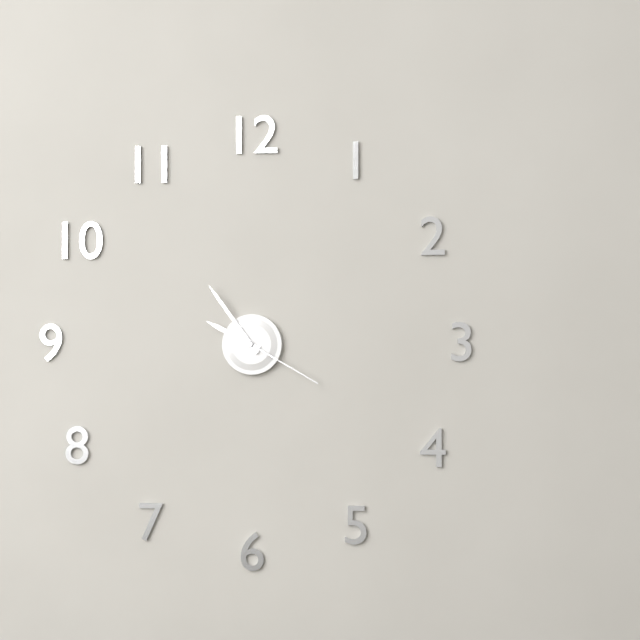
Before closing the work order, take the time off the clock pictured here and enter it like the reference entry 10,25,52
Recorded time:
9,54,20
